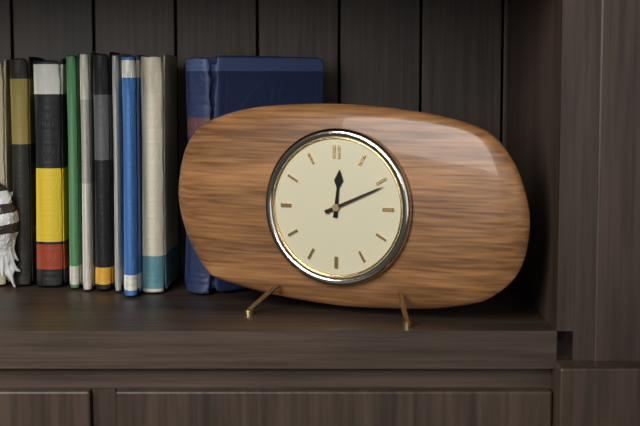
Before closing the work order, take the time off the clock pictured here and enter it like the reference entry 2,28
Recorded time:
12,11
